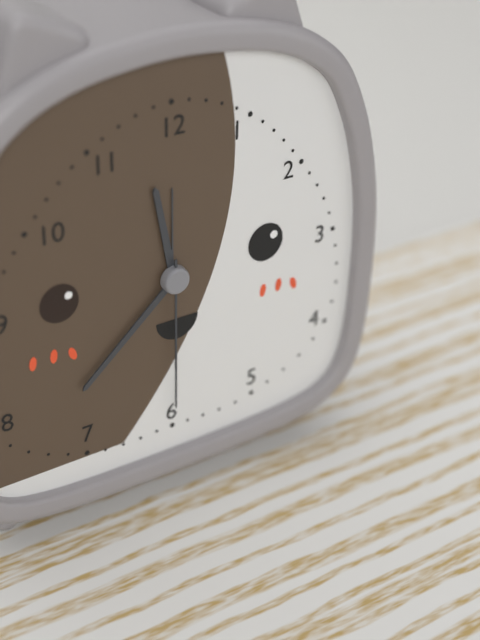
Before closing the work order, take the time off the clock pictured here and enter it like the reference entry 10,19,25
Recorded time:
11,38,30
